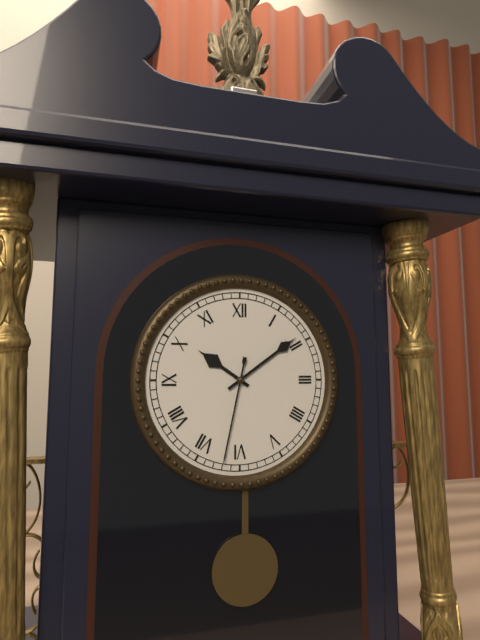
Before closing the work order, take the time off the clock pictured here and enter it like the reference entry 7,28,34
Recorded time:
10,09,32
